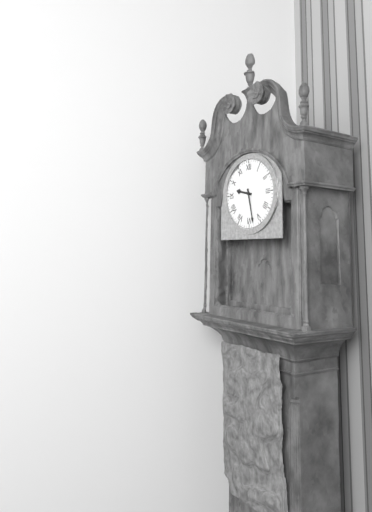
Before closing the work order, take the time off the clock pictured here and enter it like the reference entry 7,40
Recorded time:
9,28
